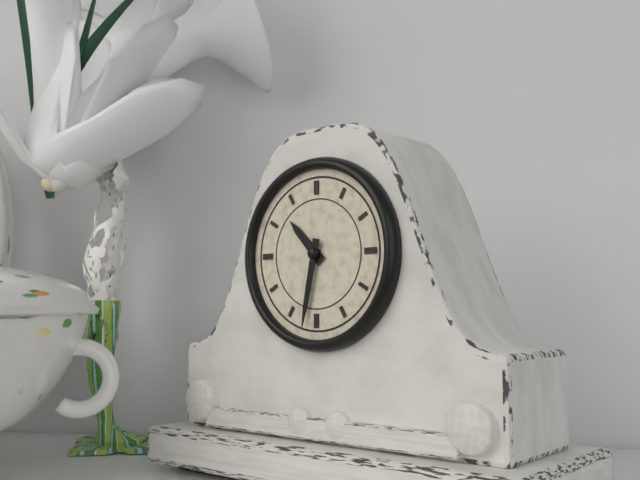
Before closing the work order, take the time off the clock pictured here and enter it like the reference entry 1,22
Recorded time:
10,32
